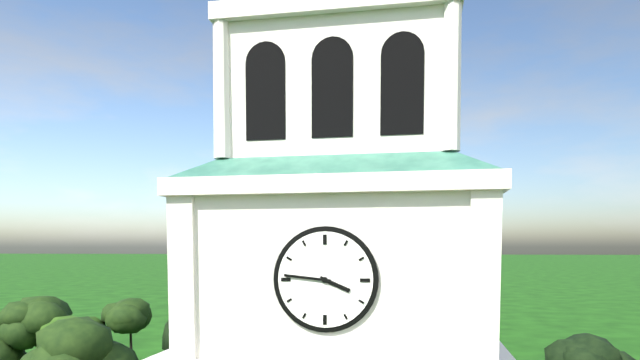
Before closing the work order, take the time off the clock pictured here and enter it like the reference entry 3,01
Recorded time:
3,46
